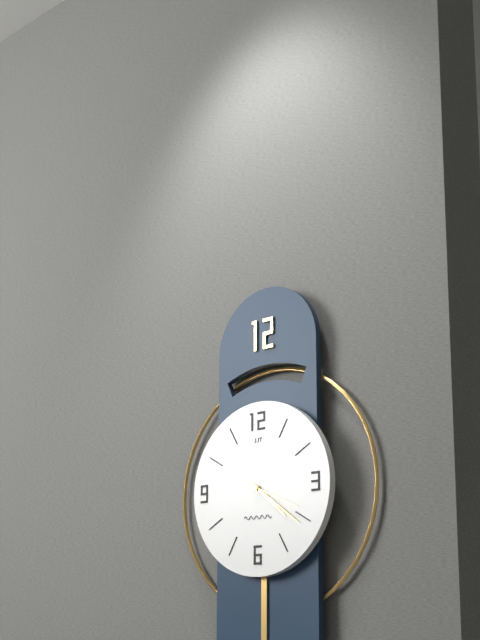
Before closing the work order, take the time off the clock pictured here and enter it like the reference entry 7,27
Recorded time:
4,21
